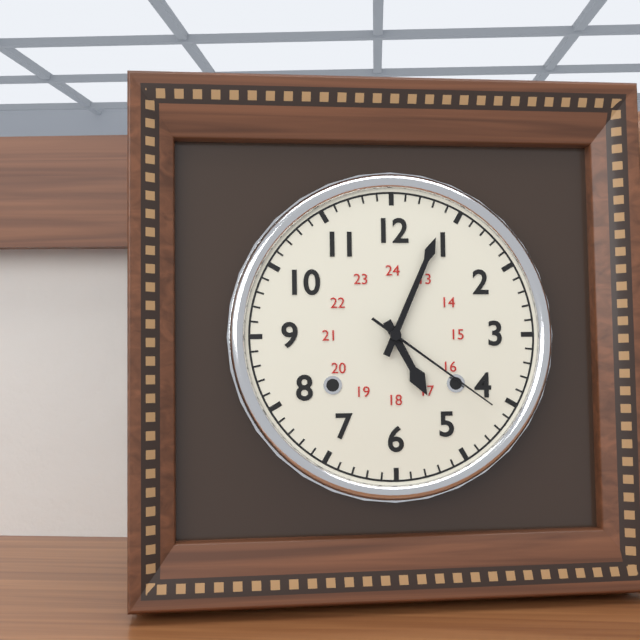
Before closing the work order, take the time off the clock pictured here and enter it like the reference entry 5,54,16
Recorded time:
5,04,21
